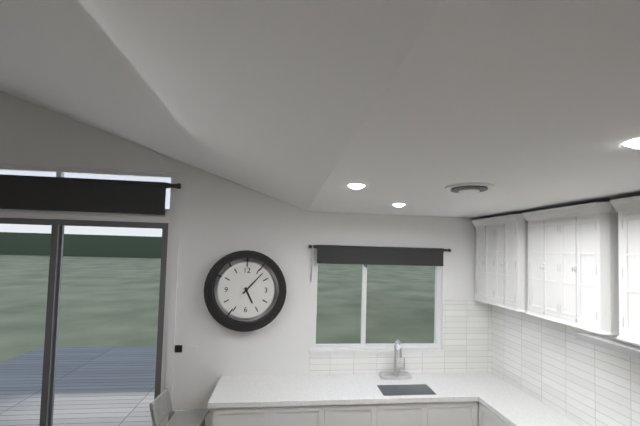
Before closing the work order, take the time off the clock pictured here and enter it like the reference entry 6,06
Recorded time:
5,07
